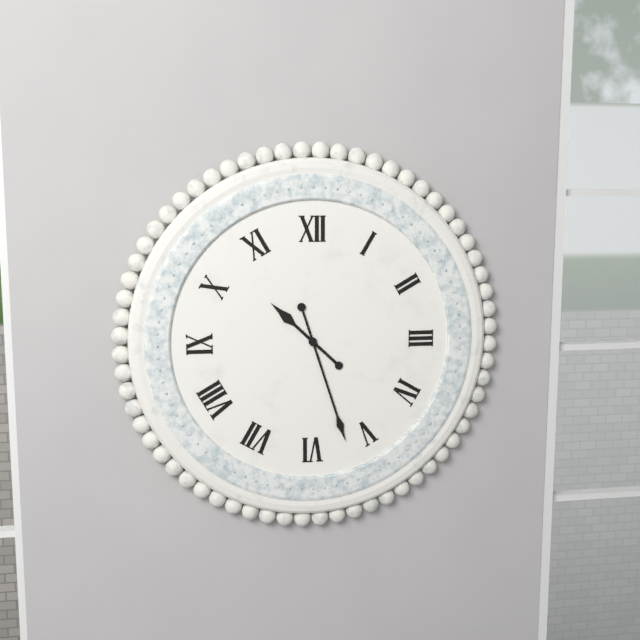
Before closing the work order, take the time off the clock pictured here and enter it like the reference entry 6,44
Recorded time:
10,27
